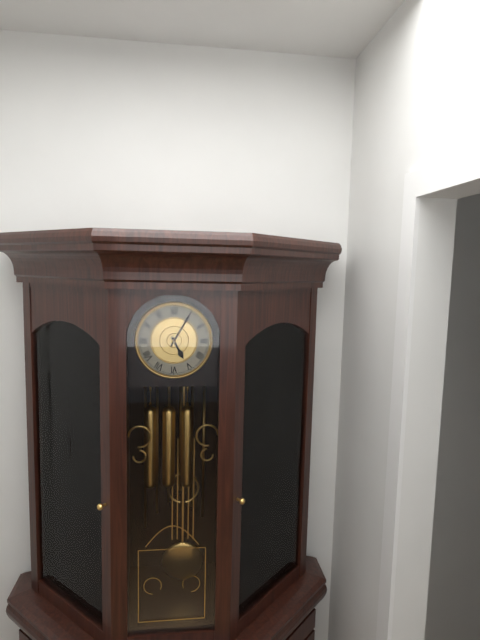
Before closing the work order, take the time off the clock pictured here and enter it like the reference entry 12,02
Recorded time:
5,05
